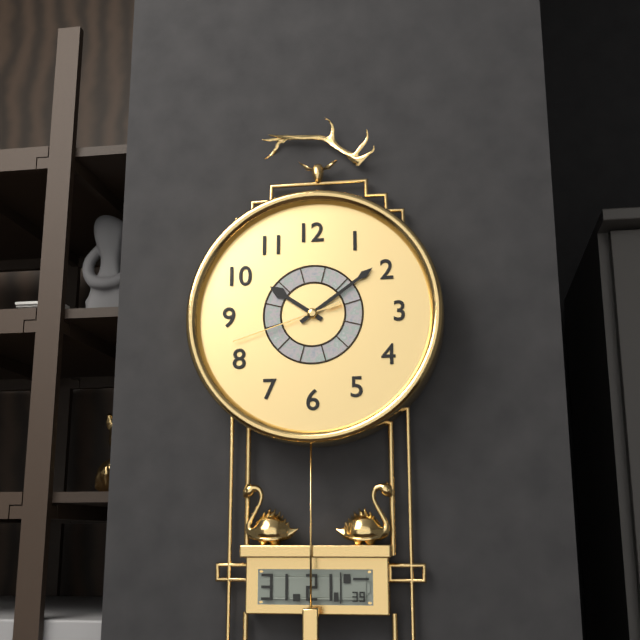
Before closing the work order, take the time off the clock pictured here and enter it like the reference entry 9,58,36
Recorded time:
10,09,42
